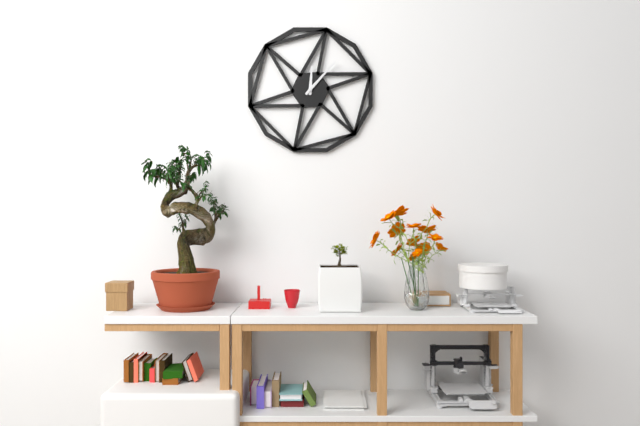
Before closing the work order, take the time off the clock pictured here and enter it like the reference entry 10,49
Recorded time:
12,07
